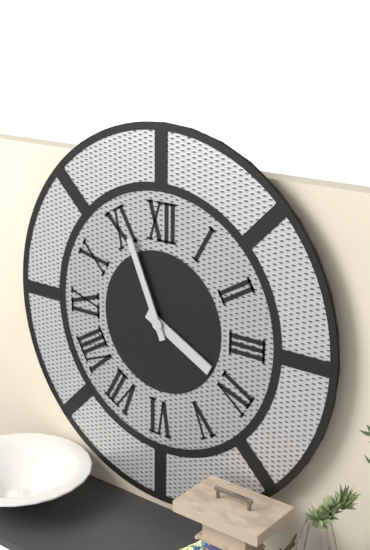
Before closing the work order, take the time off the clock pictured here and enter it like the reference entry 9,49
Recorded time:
3,56
